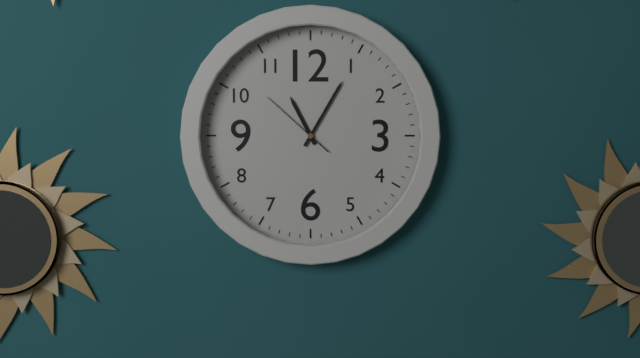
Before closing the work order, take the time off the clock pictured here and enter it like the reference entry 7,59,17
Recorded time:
11,05,52
